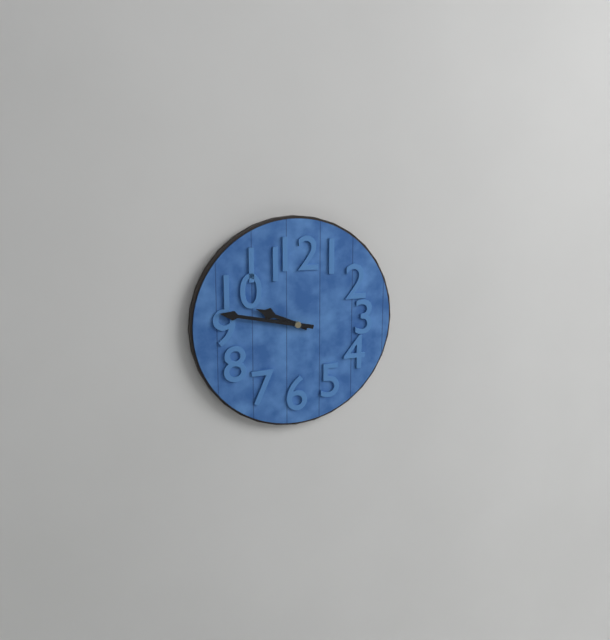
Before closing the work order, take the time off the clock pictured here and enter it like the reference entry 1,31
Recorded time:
9,47
